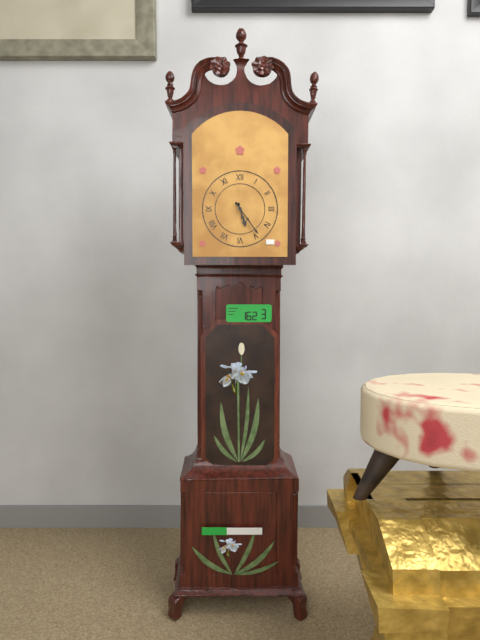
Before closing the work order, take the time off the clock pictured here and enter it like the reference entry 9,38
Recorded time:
5,24
